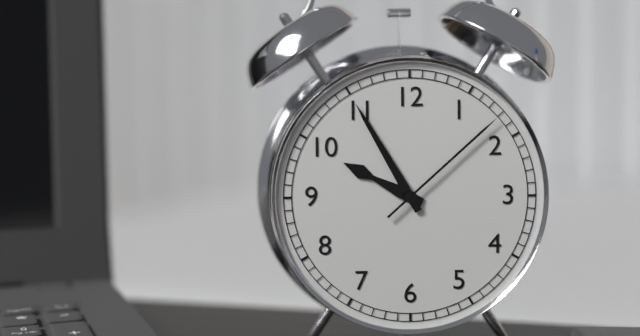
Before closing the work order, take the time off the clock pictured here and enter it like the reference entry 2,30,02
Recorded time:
9,55,08
